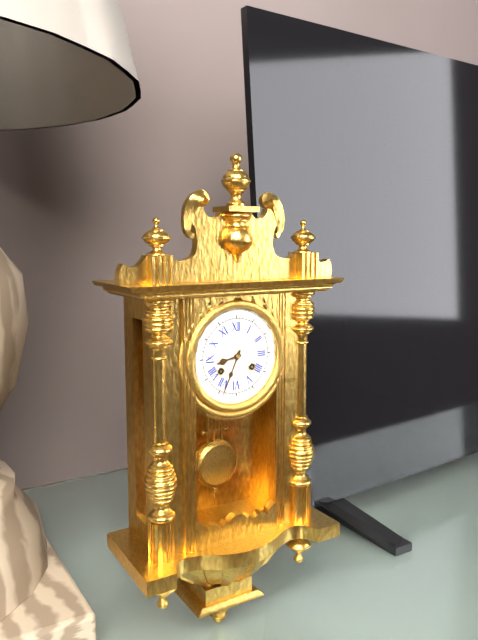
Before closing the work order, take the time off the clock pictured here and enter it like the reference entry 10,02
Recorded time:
8,34
